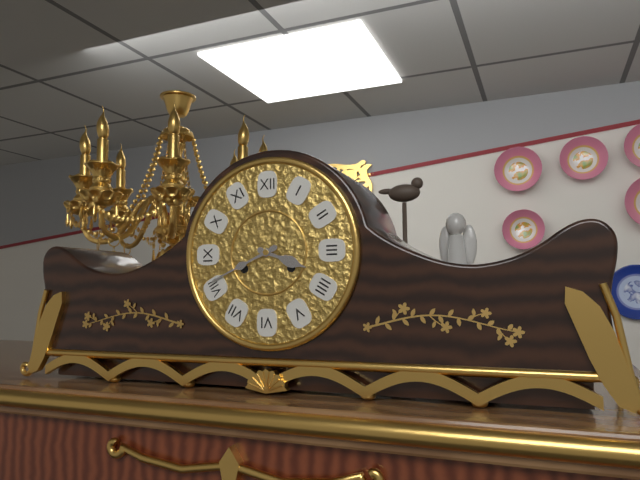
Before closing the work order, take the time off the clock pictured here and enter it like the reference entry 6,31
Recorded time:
3,41
